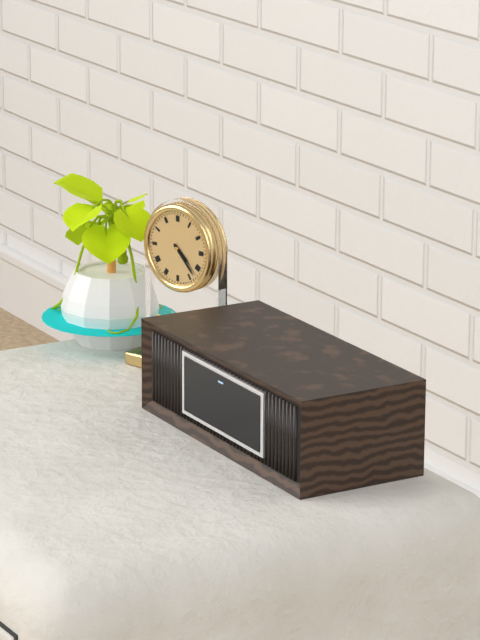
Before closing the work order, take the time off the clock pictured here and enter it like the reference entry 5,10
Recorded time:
4,23
